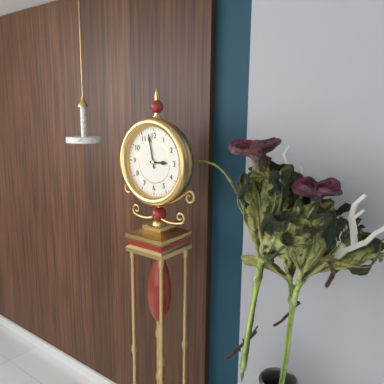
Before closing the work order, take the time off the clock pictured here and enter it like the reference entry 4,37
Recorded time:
2,58
